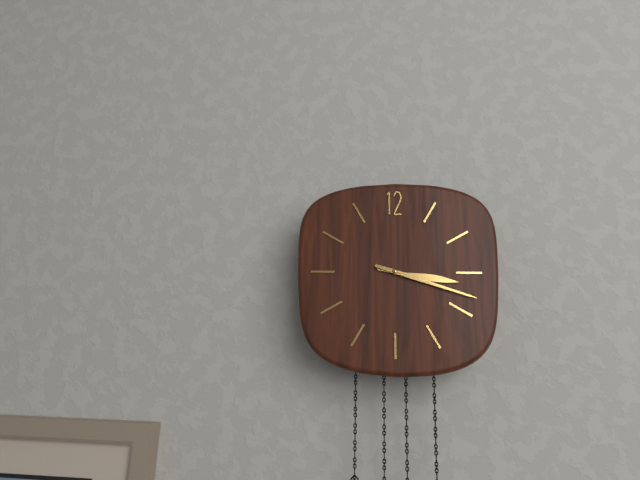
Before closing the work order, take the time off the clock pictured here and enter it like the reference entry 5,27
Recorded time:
3,18
